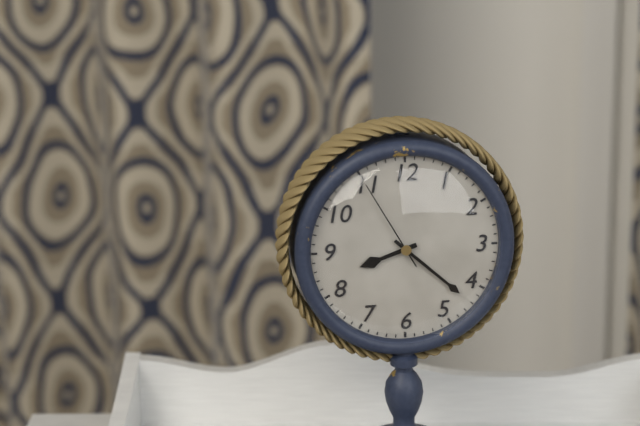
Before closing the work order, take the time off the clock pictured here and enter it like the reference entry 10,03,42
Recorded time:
8,22,55
